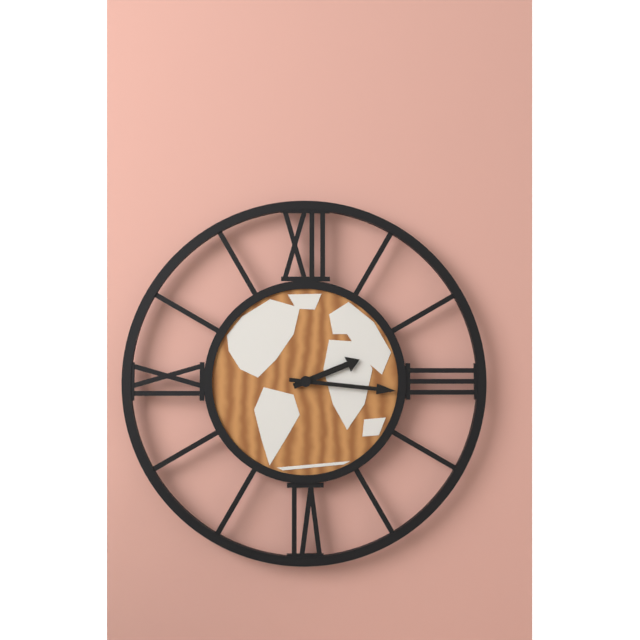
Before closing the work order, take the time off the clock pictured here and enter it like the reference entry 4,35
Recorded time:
2,16
